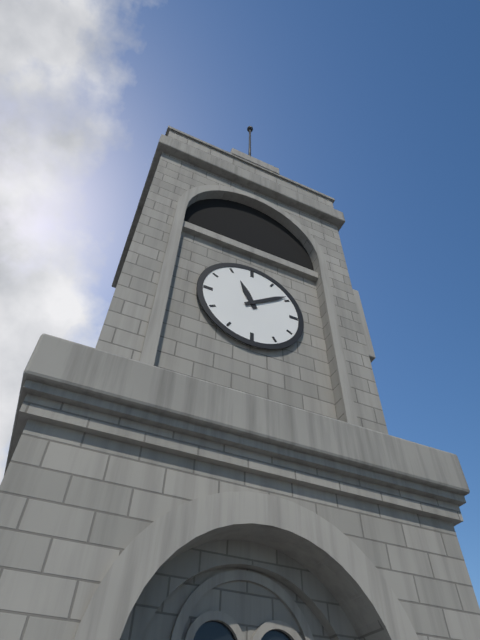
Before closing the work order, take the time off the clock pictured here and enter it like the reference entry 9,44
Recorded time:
11,09
